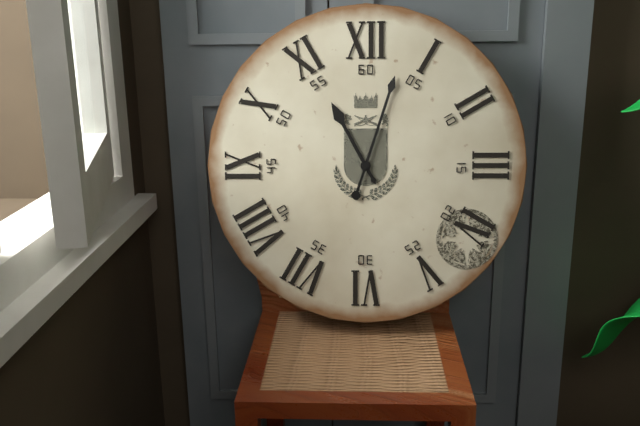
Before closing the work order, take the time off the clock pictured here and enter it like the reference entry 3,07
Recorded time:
11,03
